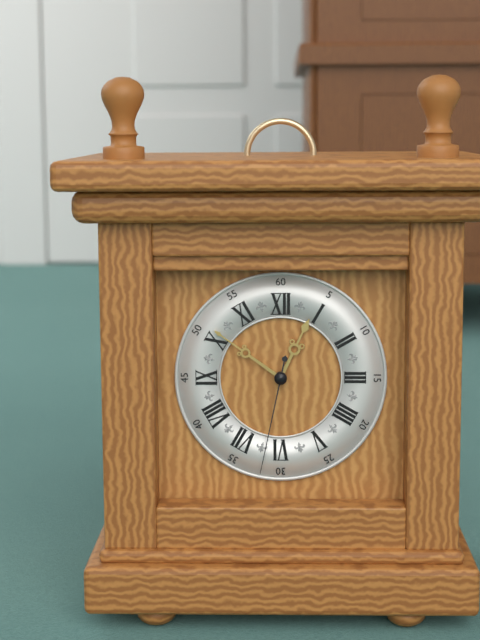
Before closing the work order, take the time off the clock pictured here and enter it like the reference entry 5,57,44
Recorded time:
12,51,32
